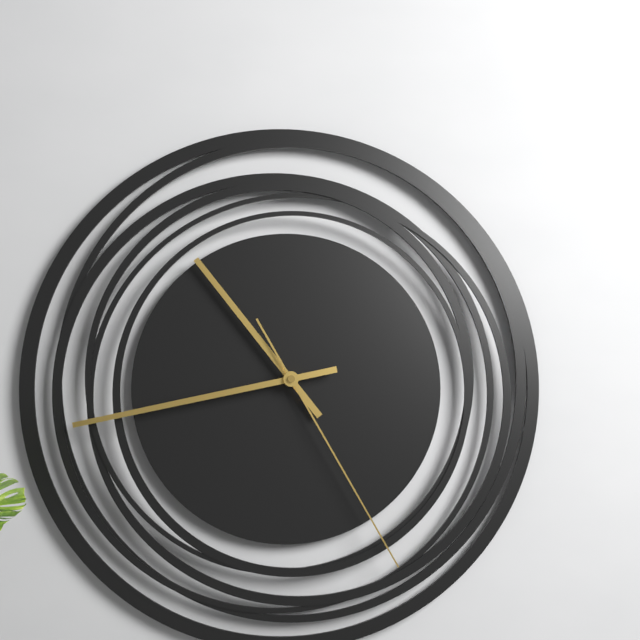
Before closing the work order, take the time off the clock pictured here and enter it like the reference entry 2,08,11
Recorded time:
10,43,25
